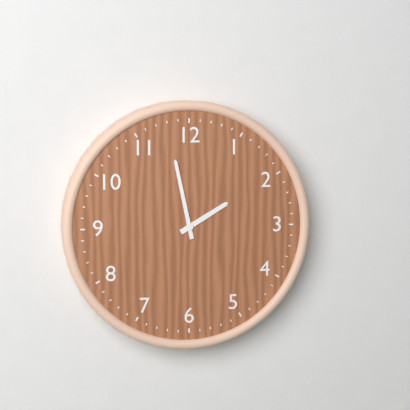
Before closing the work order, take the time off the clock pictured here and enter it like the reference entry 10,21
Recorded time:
1,58
